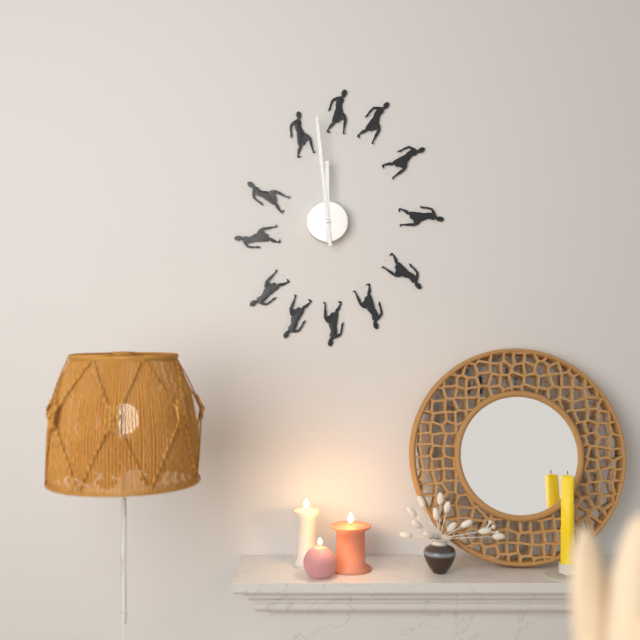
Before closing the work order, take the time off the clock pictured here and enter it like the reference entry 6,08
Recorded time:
11,59
